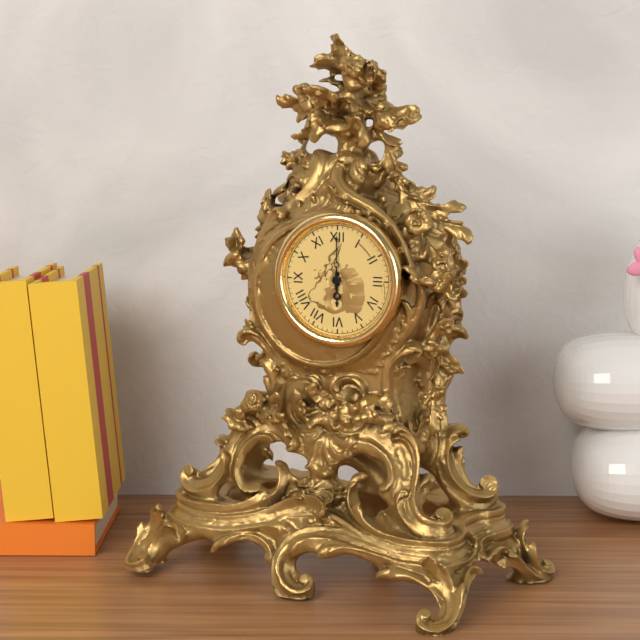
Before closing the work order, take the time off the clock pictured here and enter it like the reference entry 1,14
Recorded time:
6,00
